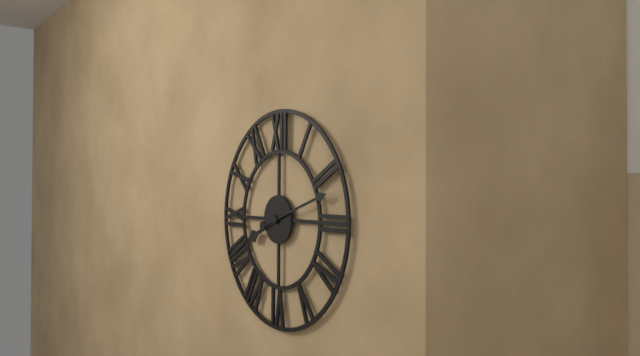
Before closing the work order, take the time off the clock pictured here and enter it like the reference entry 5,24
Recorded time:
8,12
